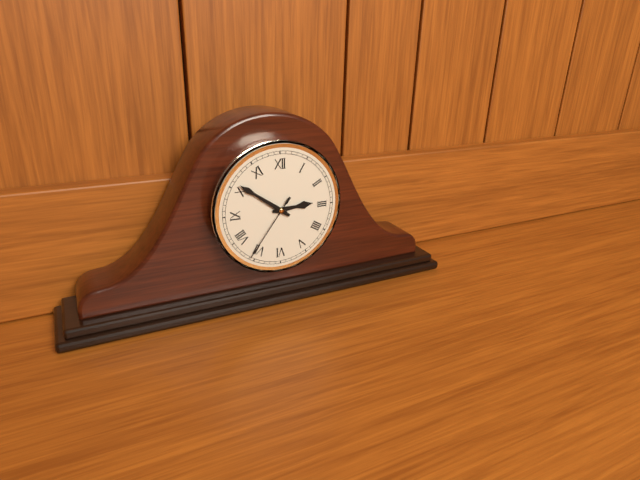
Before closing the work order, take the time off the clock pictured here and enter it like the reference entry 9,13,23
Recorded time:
2,51,36
